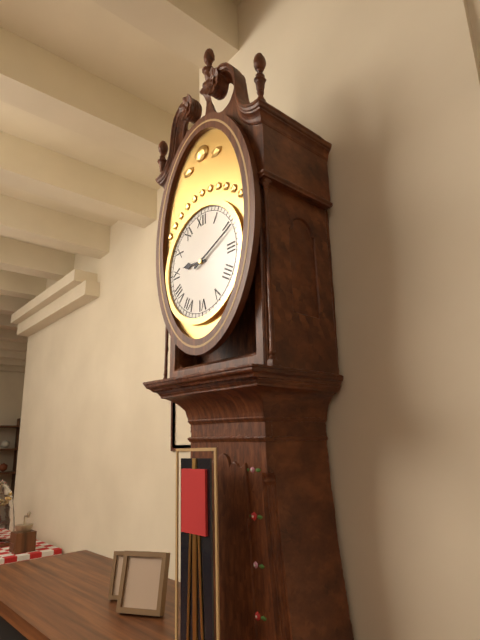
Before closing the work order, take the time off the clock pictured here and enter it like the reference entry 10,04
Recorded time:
9,11
